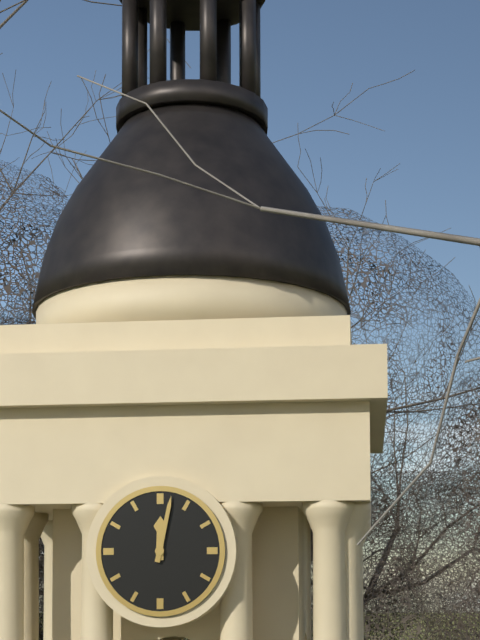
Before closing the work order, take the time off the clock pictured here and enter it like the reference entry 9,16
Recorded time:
12,02
